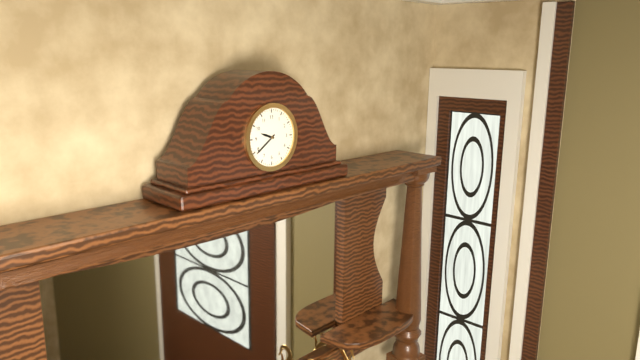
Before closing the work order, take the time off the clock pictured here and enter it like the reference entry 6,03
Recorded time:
9,39
